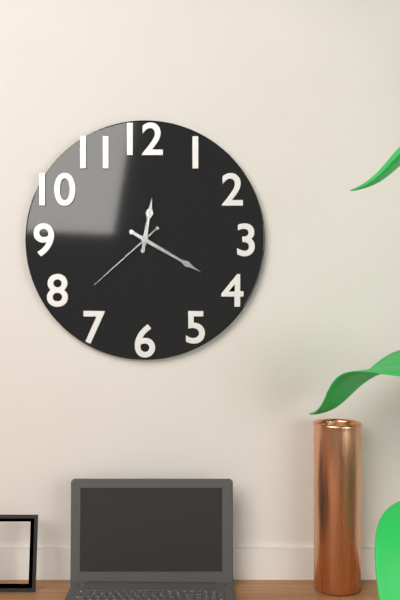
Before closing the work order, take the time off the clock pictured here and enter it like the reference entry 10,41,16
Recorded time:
12,20,38
